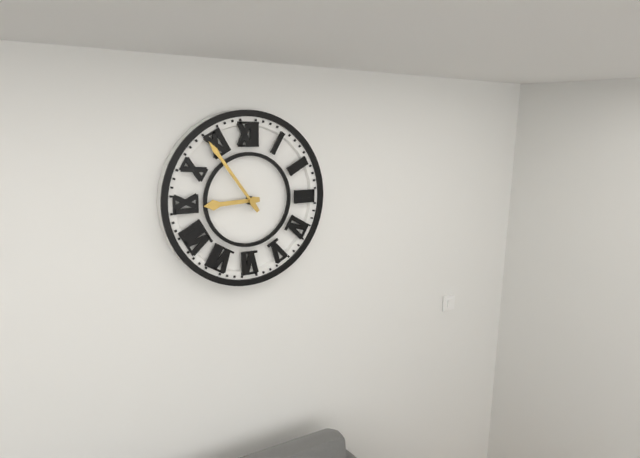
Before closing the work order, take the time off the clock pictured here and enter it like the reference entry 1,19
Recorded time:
8,54
